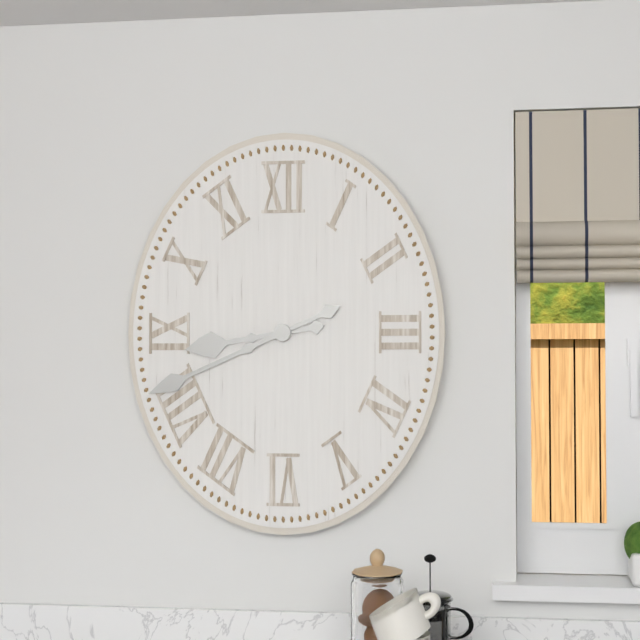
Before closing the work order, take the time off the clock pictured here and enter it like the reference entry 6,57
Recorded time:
8,41
